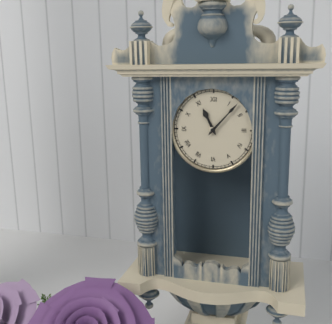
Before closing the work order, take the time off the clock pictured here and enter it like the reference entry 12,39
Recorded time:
11,07
